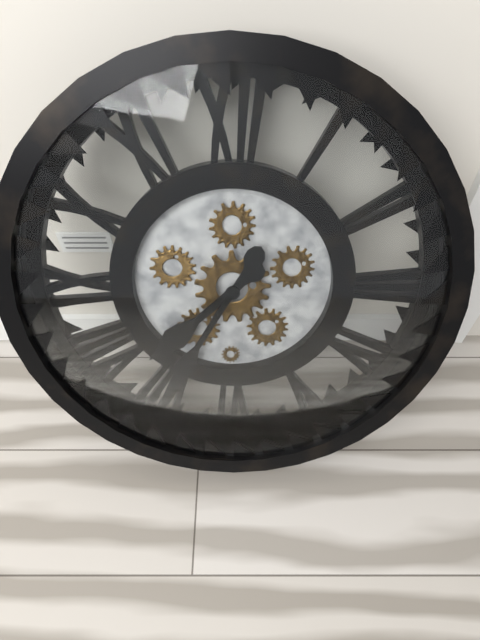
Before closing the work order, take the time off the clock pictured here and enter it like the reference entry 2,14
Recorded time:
7,35
